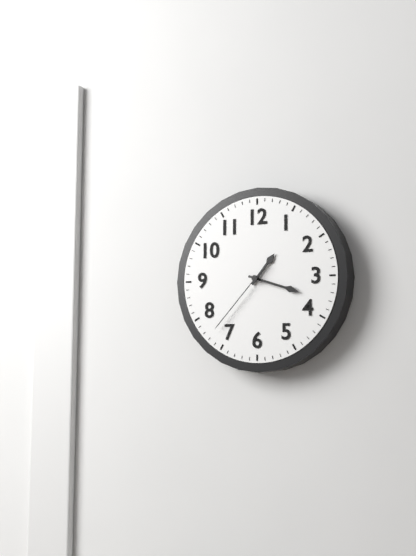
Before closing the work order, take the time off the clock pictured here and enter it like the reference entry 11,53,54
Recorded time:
1,18,37
